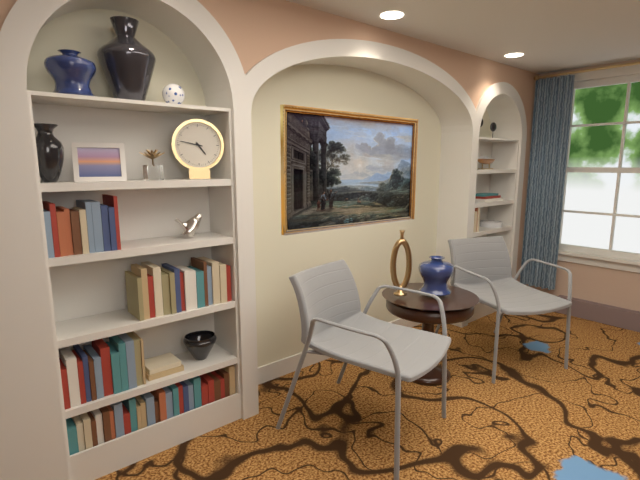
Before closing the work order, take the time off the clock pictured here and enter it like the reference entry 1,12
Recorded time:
4,47
